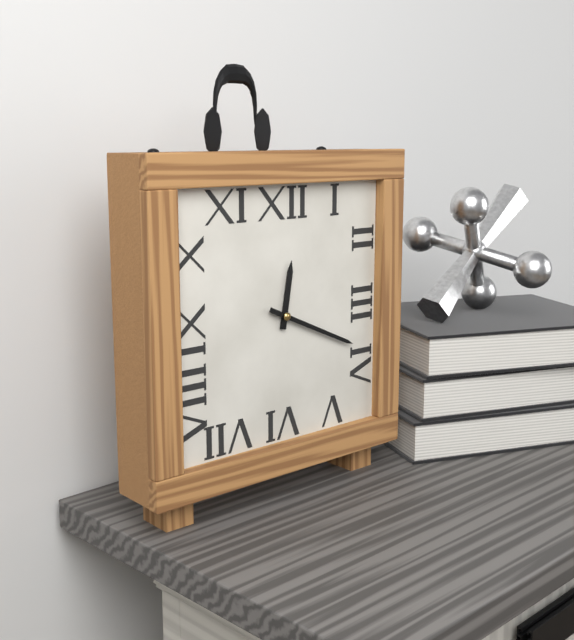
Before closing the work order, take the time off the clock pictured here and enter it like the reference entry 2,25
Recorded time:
12,19
